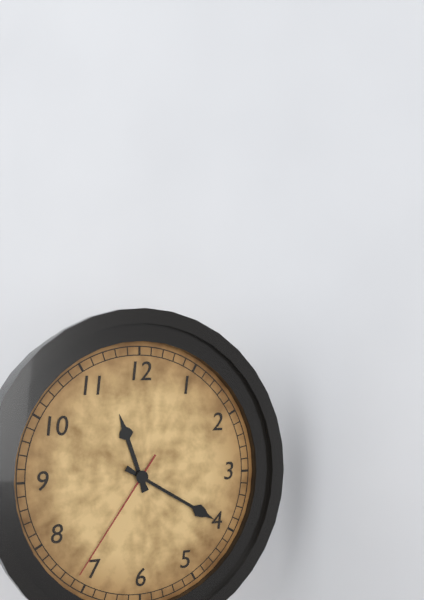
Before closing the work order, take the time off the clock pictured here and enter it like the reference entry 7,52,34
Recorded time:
11,20,36
